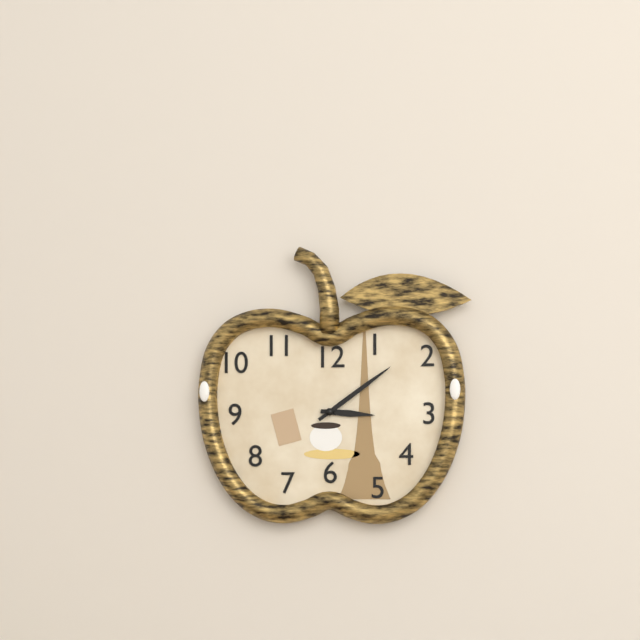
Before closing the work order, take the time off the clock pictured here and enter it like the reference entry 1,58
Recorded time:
3,09
